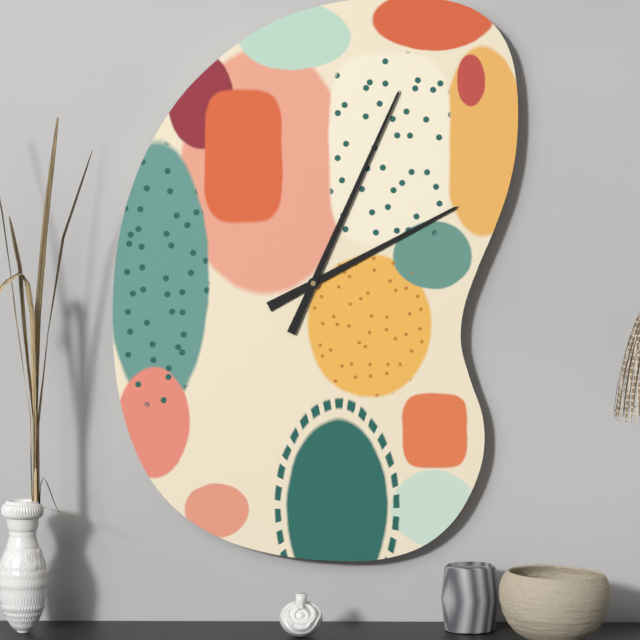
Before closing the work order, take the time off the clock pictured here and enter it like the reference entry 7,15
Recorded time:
2,04
